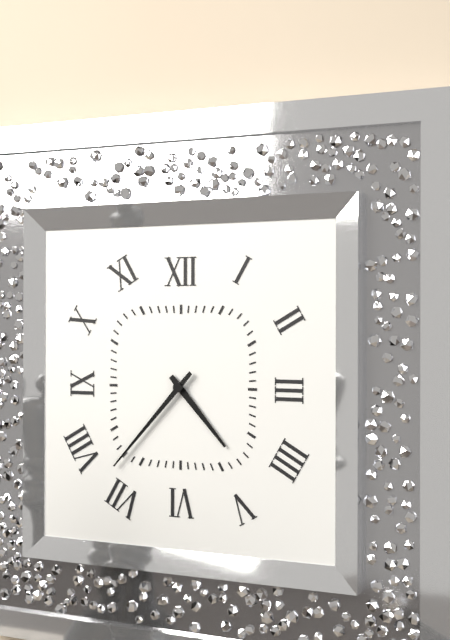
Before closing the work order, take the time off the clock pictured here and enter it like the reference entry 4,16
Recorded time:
4,37
